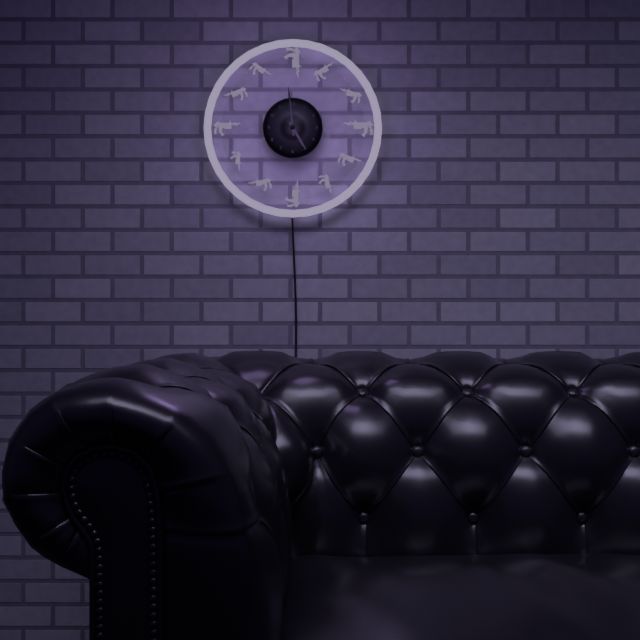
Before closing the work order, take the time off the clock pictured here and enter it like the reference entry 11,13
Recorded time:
4,59
